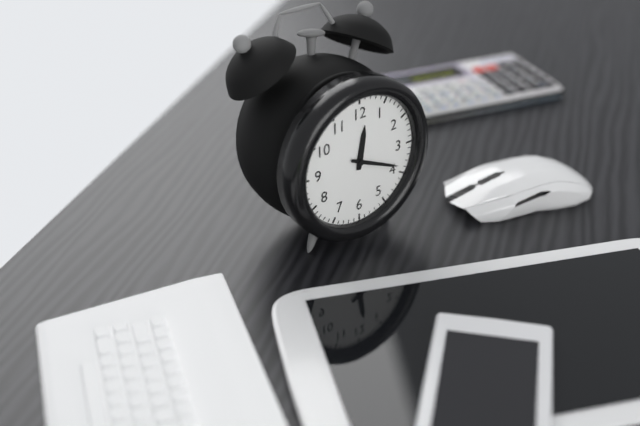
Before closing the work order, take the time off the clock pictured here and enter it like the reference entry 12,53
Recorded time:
12,19
